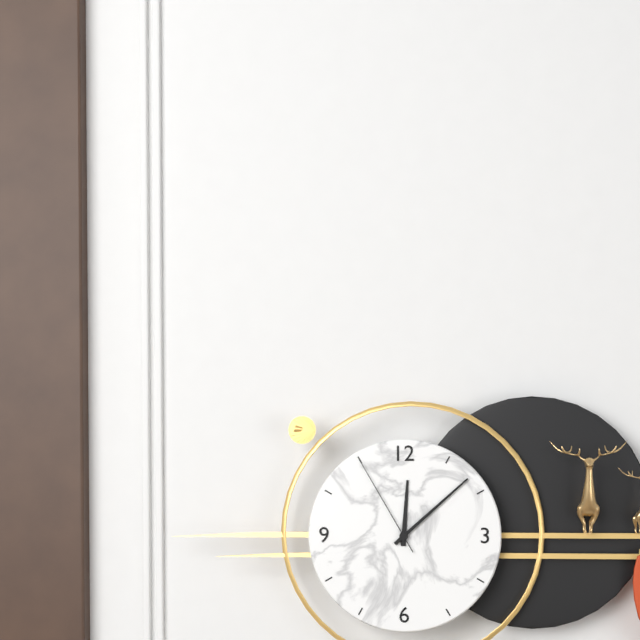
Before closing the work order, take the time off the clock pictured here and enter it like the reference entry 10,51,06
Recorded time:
12,08,55
